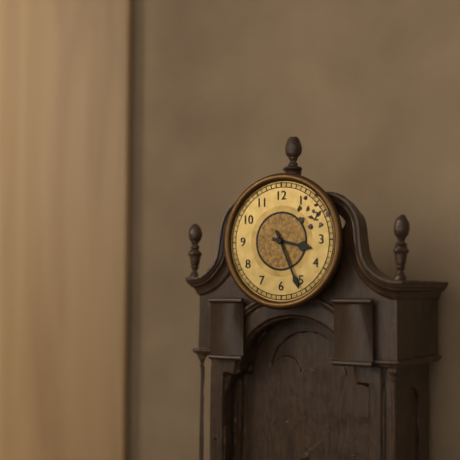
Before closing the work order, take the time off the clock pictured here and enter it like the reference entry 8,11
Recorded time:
3,26
